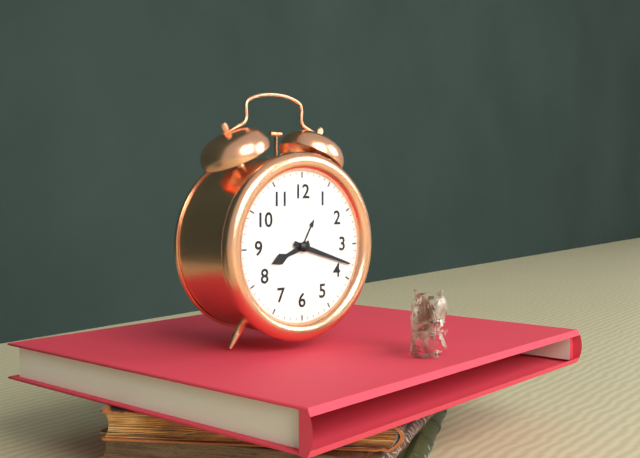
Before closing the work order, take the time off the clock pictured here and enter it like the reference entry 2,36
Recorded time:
8,18
